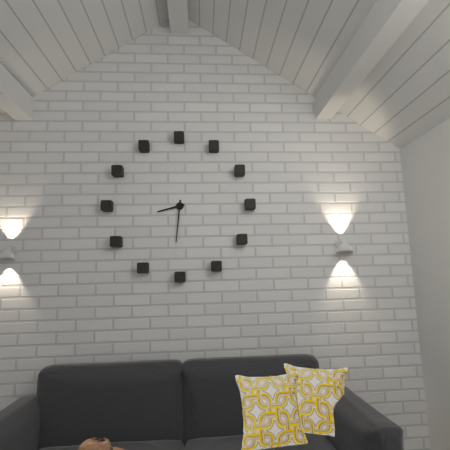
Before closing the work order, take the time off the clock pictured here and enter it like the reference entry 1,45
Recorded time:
8,31
